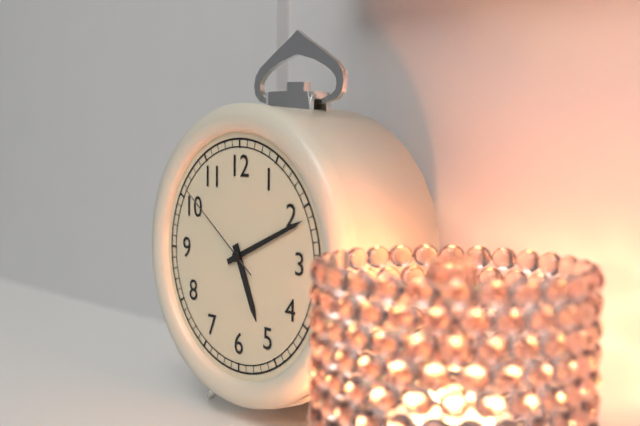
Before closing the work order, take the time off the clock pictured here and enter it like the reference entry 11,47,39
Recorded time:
5,11,51
